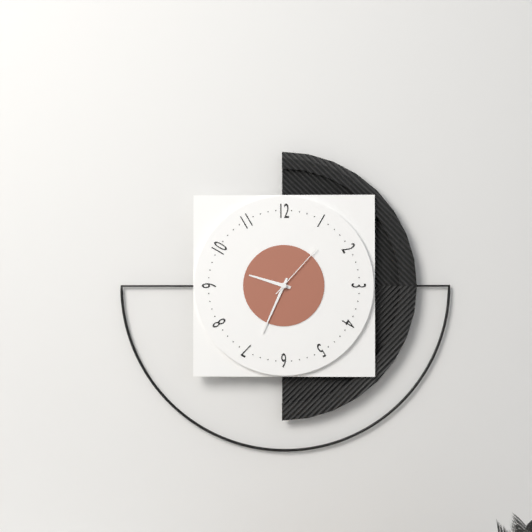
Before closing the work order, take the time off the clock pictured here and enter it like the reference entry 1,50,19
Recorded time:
9,34,07
